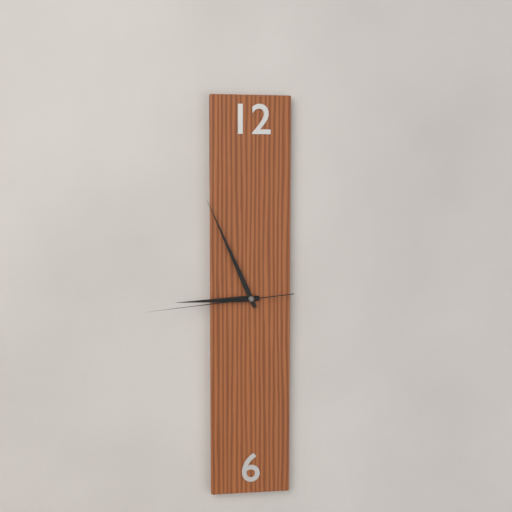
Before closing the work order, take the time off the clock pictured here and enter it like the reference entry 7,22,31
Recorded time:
8,56,44
